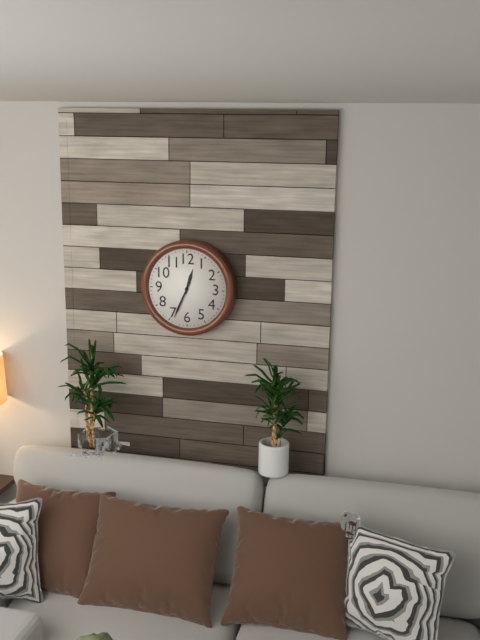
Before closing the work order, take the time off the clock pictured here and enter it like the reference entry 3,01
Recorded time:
12,34
